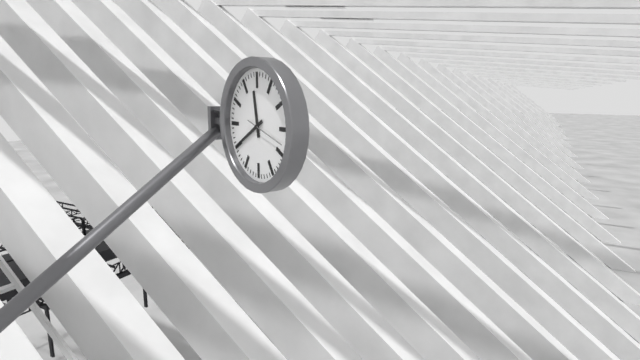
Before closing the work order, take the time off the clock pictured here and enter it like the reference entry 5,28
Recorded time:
11,40
